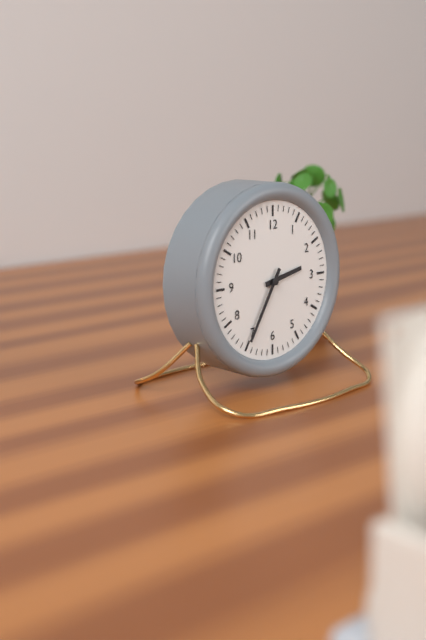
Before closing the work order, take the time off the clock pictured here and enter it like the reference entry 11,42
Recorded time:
2,35
